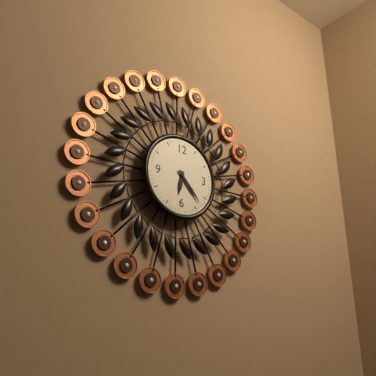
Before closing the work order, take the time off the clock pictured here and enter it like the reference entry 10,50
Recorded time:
6,23
